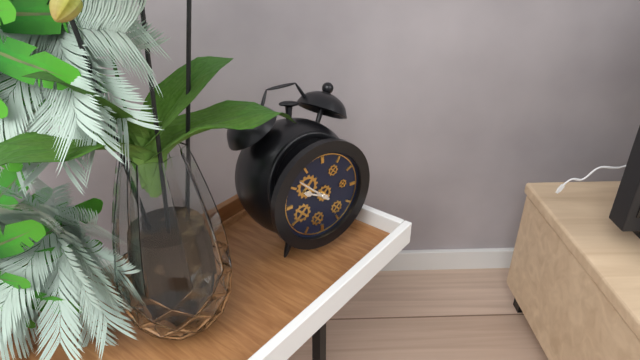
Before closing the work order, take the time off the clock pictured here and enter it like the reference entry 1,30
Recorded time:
9,52
